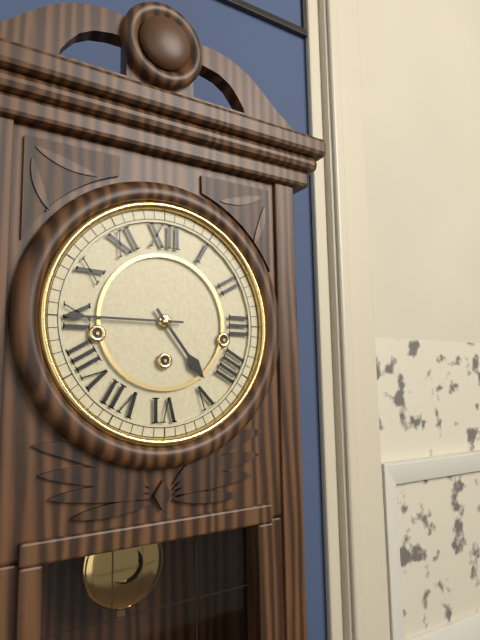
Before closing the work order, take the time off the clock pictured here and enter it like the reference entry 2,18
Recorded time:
4,45
